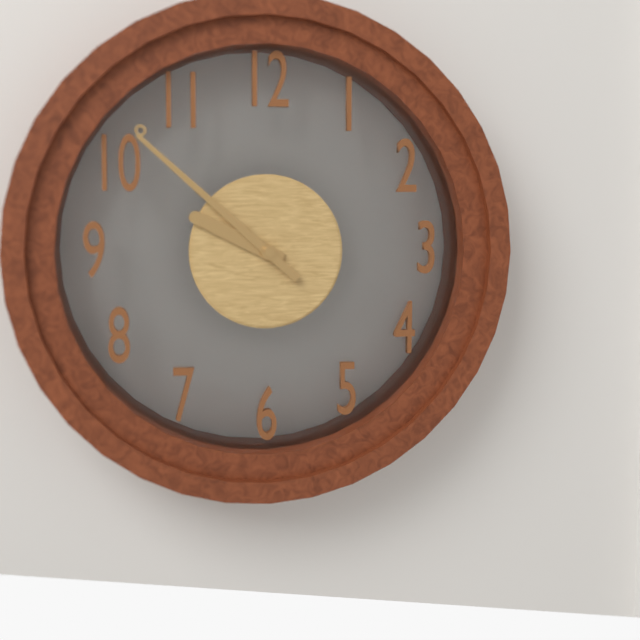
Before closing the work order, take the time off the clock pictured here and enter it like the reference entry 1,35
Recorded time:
9,52
